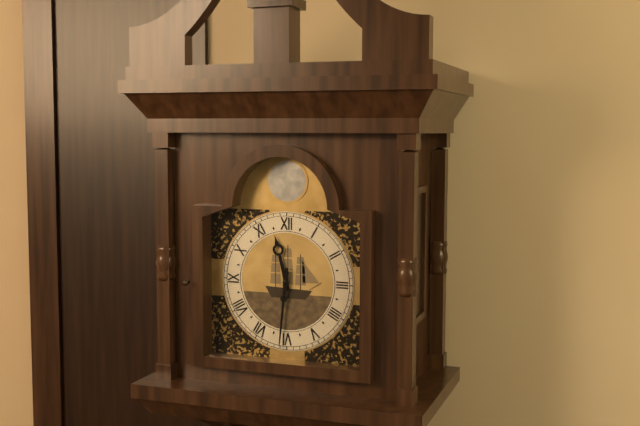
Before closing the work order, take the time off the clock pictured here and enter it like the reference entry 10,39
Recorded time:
11,31
